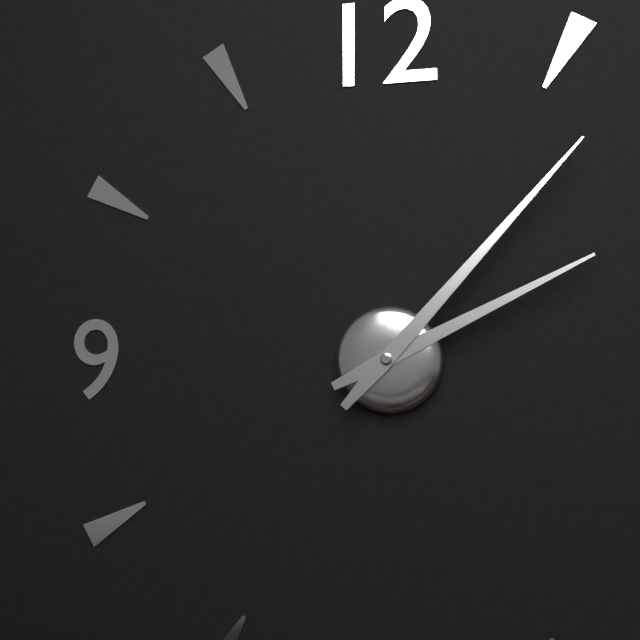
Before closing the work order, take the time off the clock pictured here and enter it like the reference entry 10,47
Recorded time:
2,07
